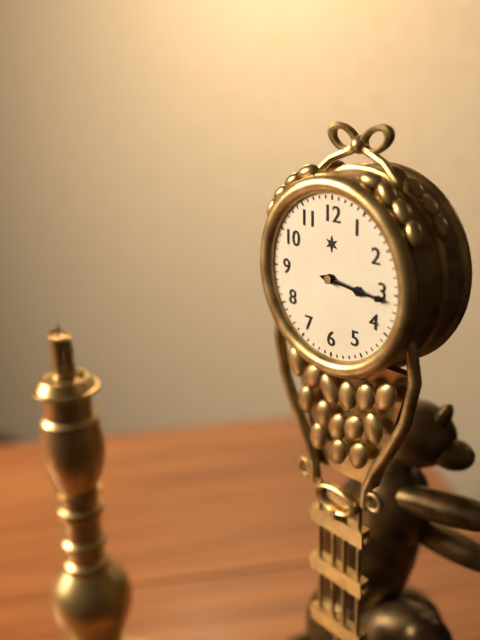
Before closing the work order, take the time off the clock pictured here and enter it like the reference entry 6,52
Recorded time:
3,16
